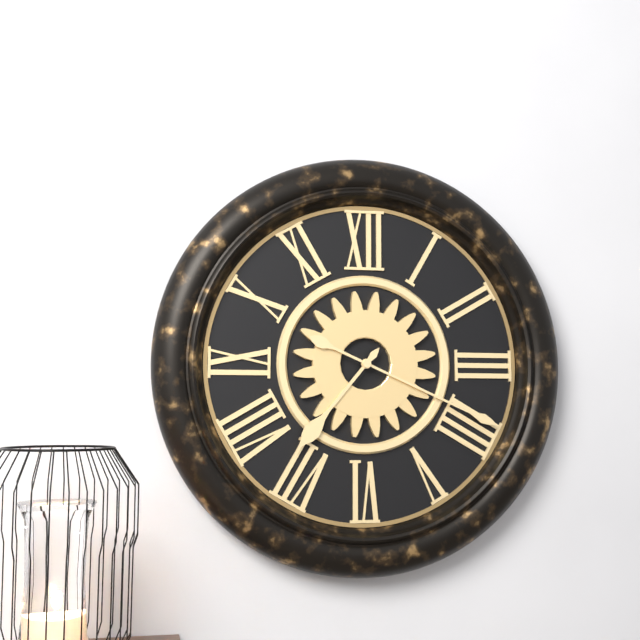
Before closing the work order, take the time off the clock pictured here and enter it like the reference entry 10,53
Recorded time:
7,19
